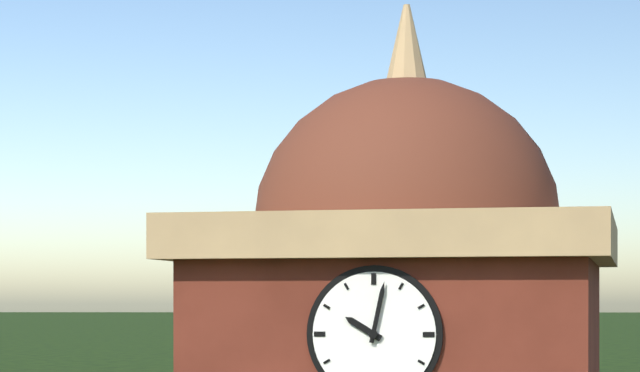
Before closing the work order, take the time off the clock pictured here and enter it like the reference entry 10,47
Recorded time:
10,02
